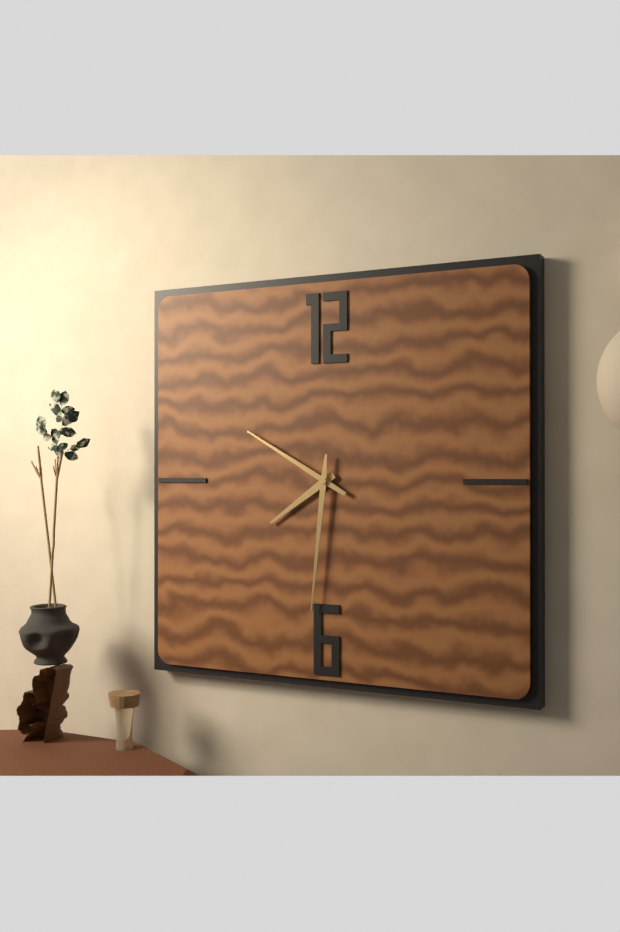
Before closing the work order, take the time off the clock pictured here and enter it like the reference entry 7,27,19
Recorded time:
7,50,31
